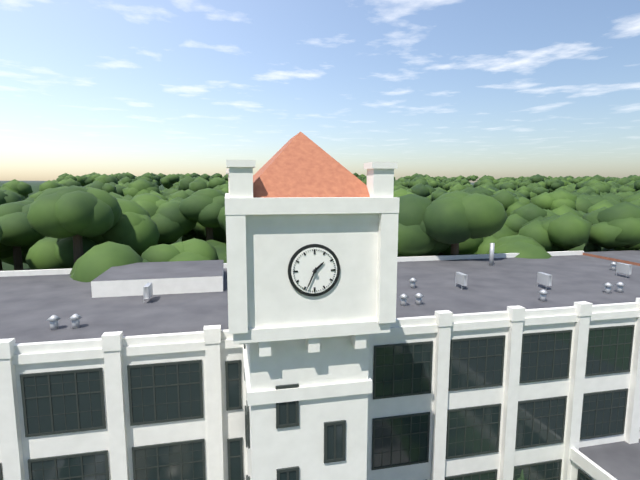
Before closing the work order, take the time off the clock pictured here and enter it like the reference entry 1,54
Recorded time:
1,34
